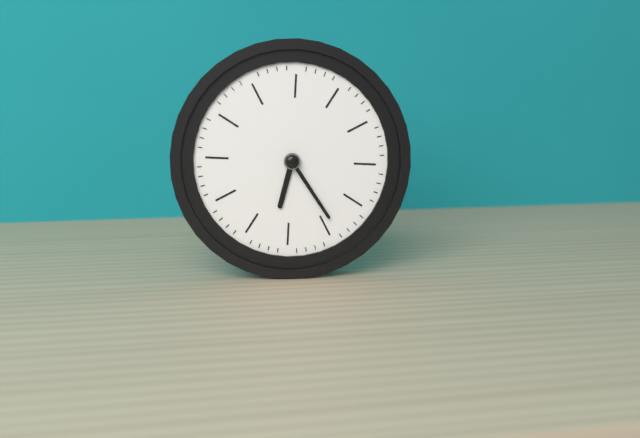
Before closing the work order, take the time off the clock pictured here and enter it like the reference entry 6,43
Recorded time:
6,24
